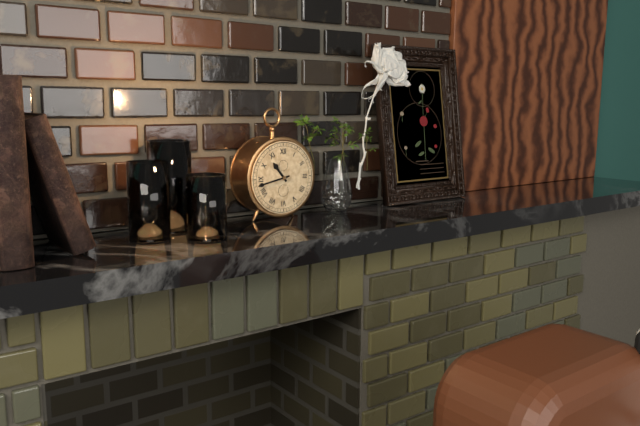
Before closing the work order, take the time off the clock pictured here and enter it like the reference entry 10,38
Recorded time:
10,43
